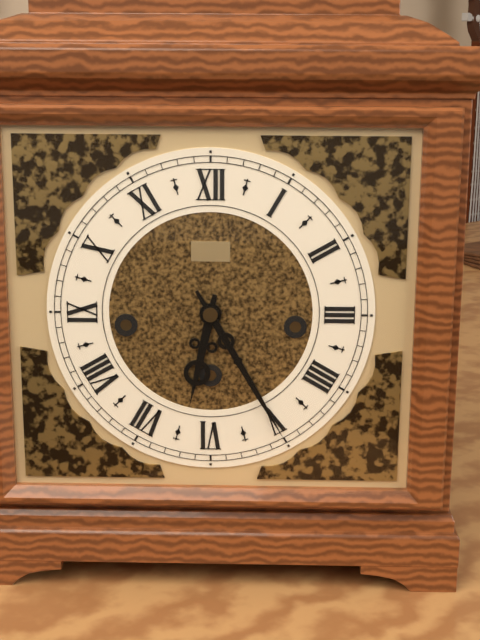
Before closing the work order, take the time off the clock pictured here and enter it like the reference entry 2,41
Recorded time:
6,25
